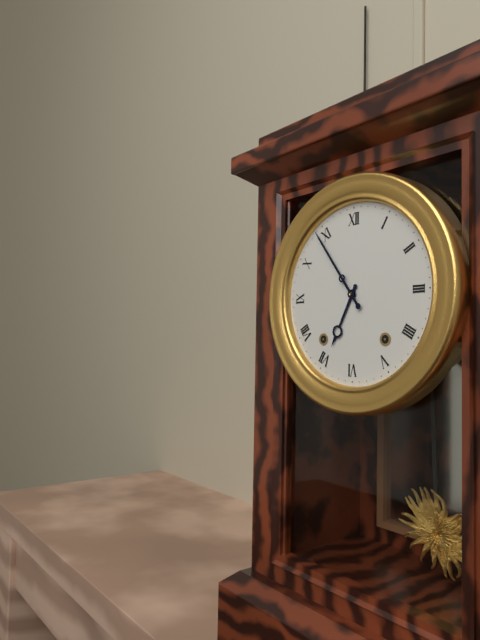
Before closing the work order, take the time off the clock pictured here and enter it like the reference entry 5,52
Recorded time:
6,54
